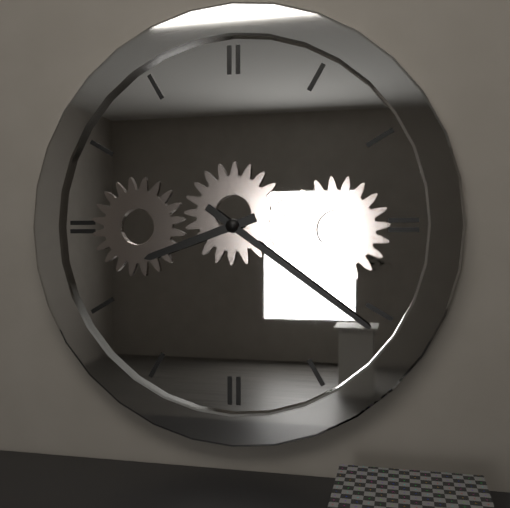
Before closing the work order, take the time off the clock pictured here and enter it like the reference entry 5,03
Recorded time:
8,21
